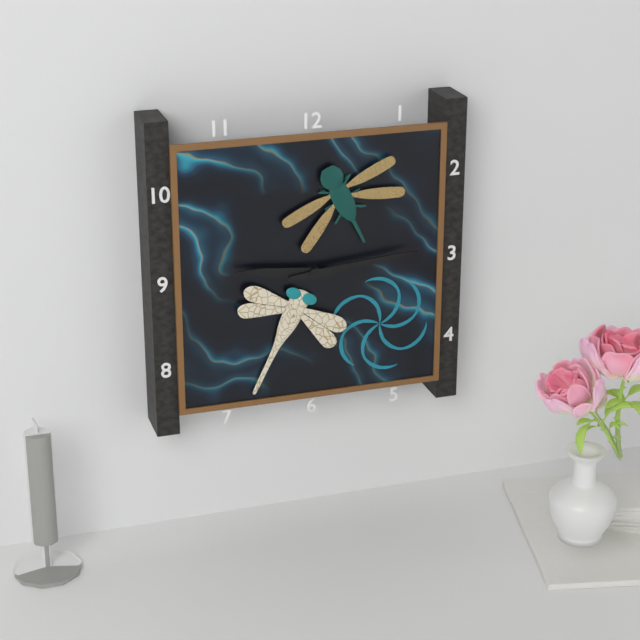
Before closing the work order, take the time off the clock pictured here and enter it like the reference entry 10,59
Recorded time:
9,14
